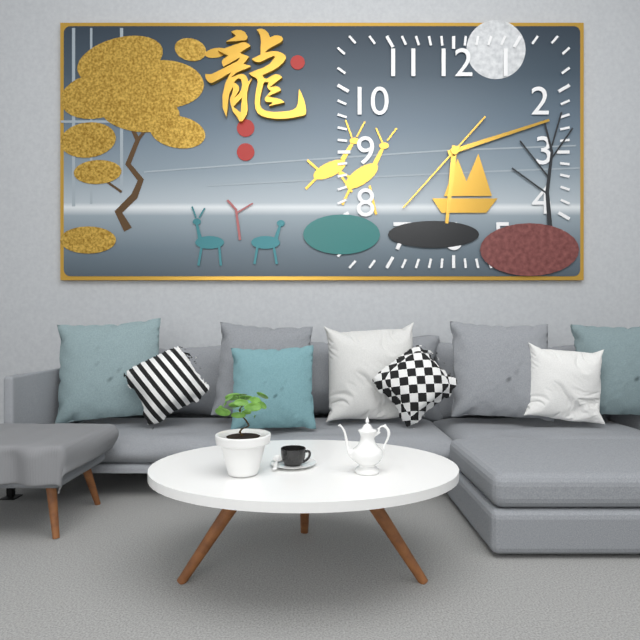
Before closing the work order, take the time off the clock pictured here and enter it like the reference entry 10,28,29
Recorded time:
6,12,37
